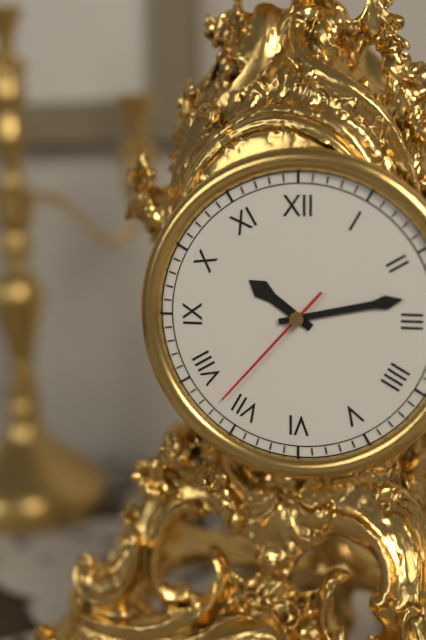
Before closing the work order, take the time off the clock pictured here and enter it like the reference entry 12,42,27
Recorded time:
10,13,37
